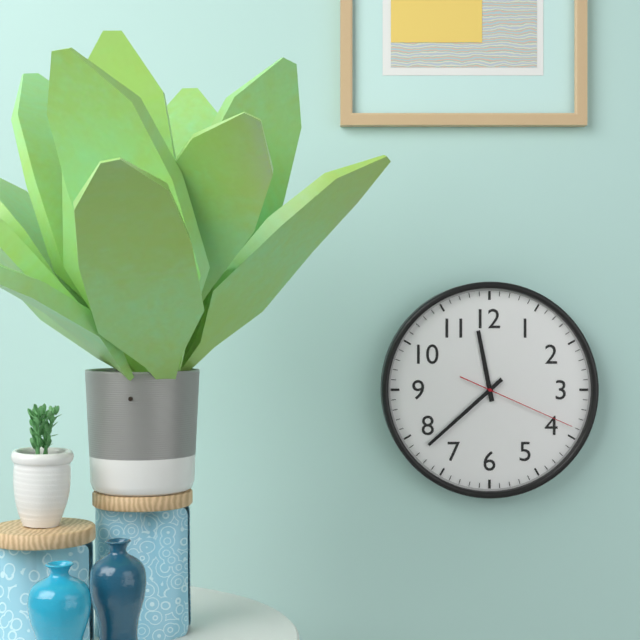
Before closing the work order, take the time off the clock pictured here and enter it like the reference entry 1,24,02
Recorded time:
11,38,19
